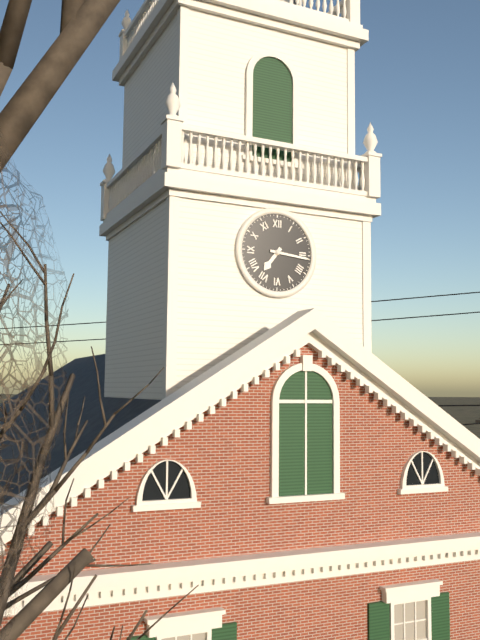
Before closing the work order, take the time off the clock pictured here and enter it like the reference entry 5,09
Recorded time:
7,16
